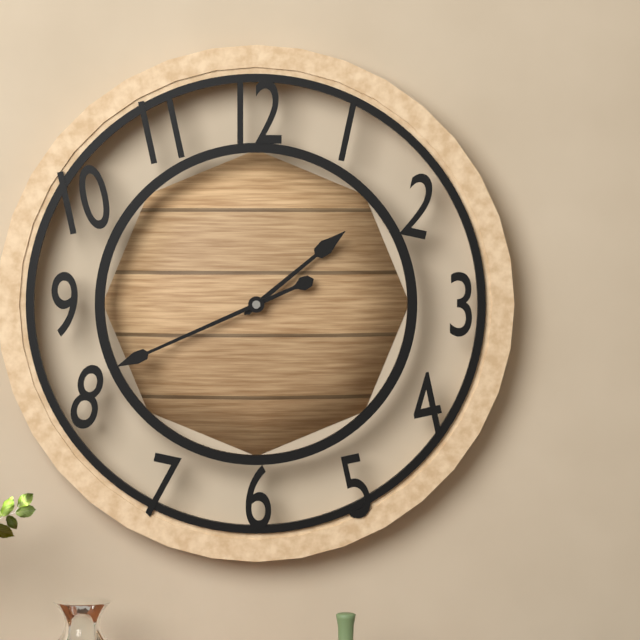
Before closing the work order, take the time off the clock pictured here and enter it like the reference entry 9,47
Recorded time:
1,41
